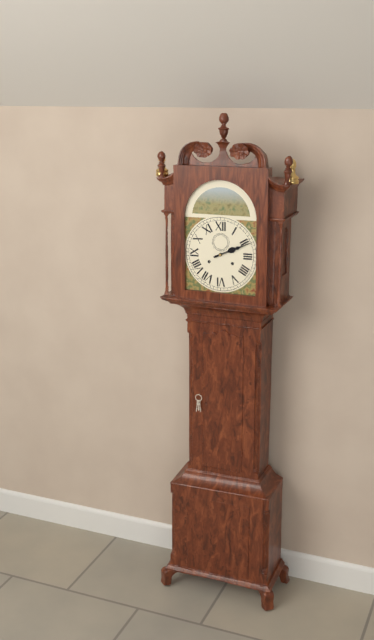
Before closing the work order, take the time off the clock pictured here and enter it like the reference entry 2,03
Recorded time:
2,11
